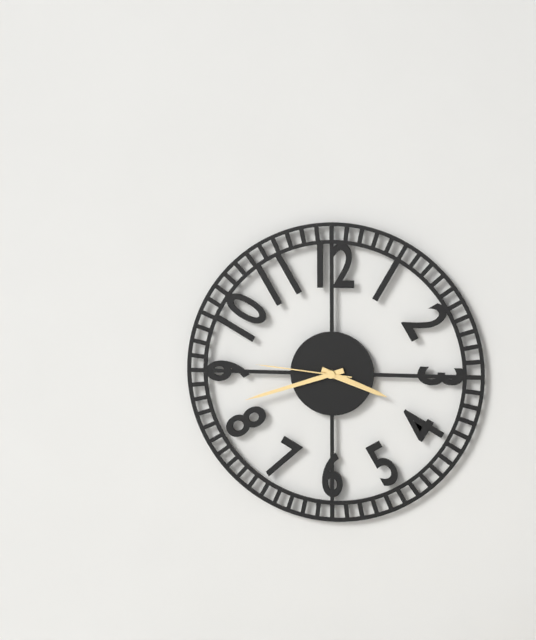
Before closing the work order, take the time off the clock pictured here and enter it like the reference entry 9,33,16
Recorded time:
3,42,46
